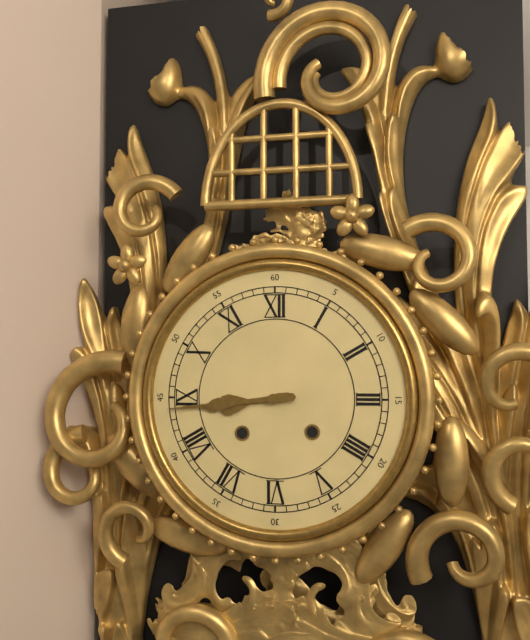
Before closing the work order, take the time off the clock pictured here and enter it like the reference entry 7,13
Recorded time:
8,44
